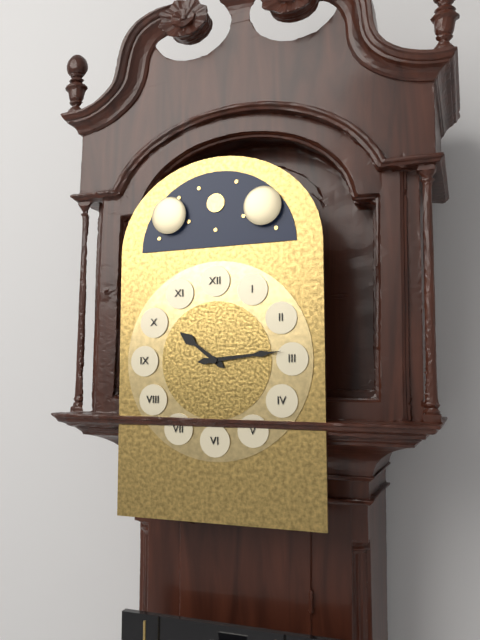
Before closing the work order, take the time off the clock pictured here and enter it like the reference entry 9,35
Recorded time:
10,14
